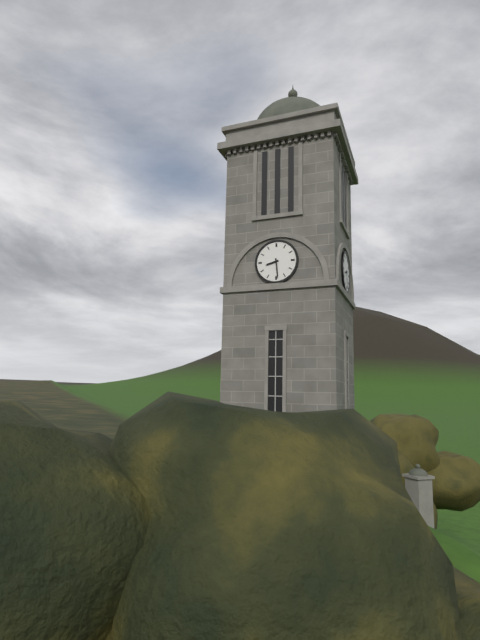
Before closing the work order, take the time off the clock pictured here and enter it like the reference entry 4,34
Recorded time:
8,29
